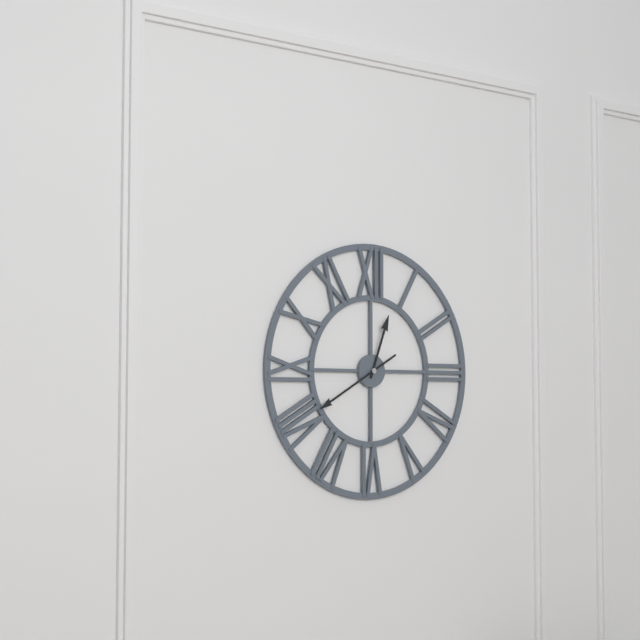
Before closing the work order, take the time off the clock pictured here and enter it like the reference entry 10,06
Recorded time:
12,40
